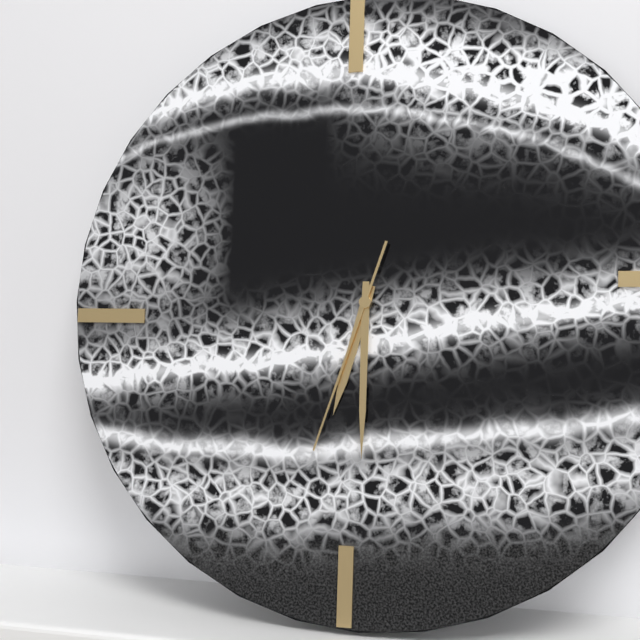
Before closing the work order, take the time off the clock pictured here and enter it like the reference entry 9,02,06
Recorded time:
6,30,33
